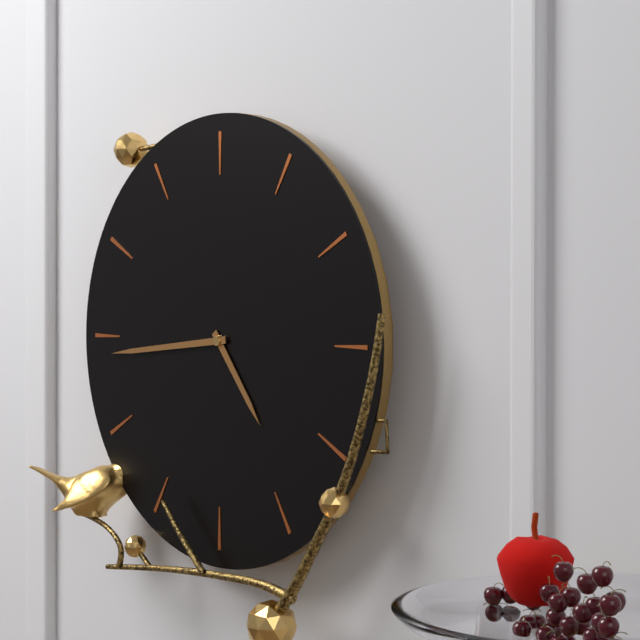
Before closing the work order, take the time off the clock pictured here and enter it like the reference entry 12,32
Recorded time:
4,44
